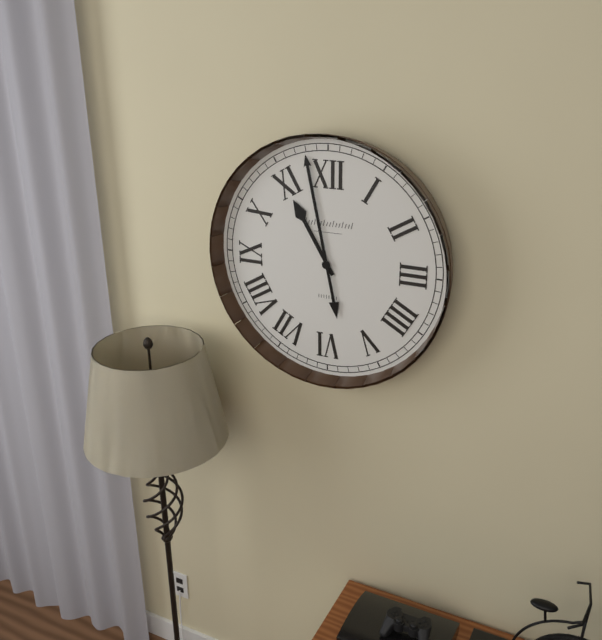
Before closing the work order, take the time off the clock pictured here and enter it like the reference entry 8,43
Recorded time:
10,58
